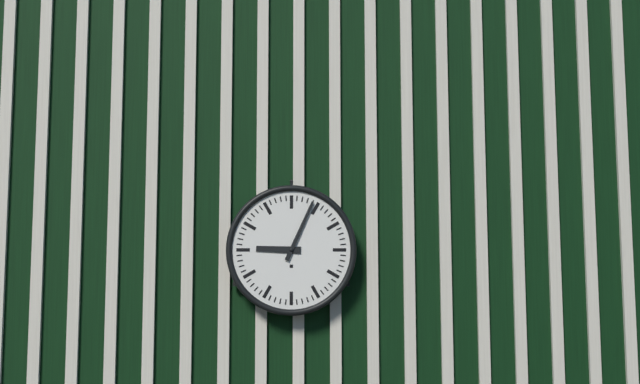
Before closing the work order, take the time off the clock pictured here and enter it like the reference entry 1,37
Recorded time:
9,04
